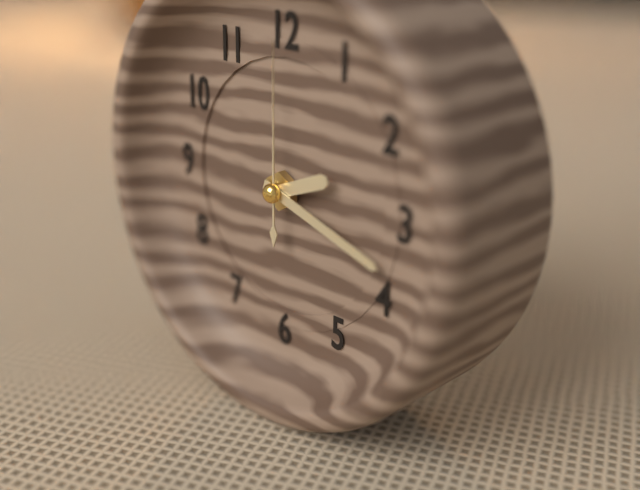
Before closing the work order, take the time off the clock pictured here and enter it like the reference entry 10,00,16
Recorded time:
2,18,00
